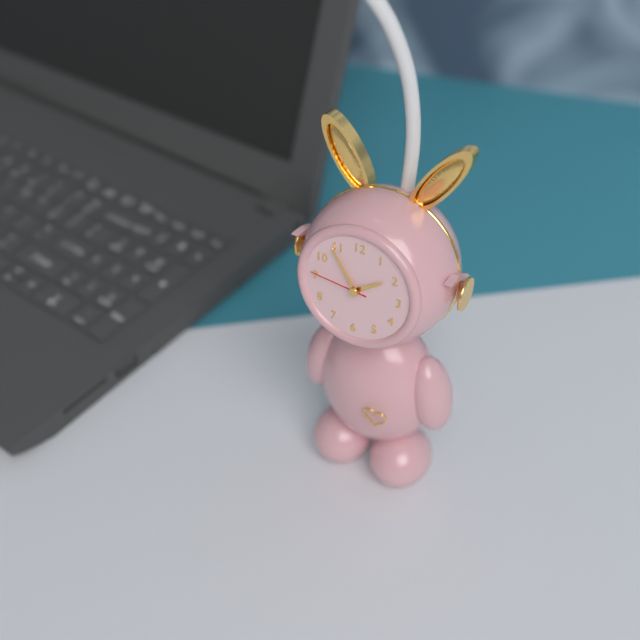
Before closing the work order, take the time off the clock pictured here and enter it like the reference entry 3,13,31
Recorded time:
1,54,46
